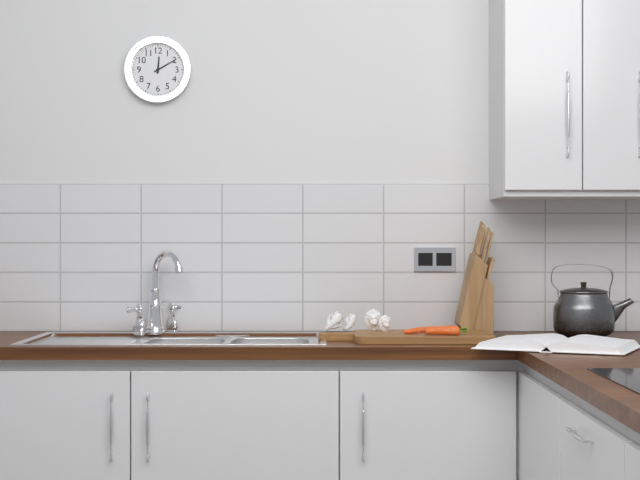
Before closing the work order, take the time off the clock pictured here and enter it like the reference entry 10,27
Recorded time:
12,10
